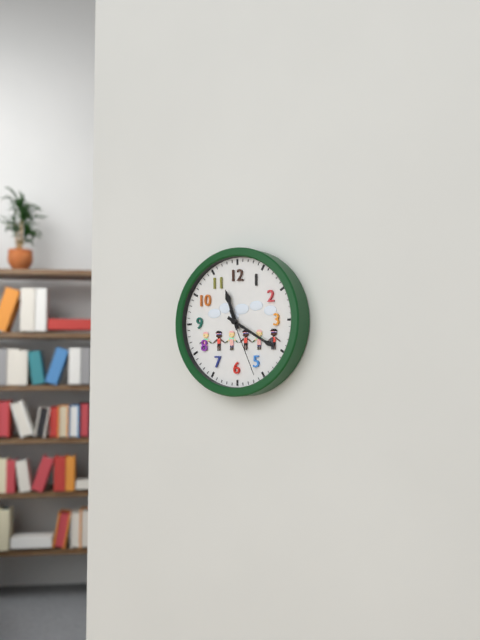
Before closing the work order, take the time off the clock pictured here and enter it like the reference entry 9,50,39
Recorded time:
11,20,26
